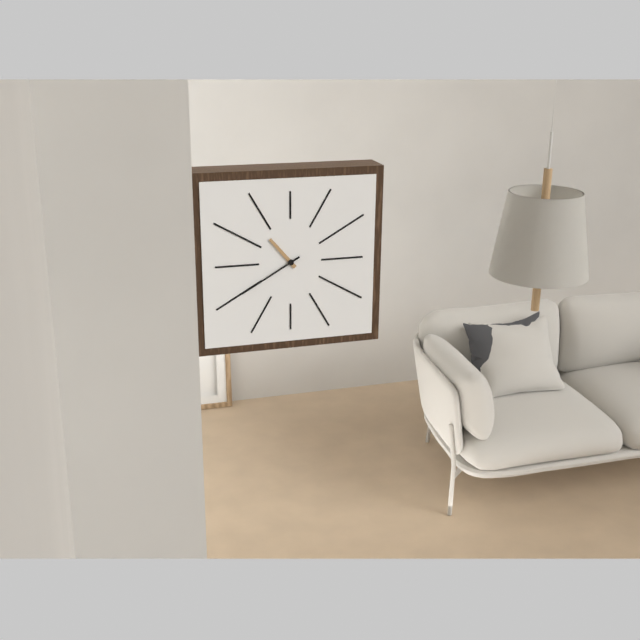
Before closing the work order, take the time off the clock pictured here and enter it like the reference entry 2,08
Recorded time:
10,40
